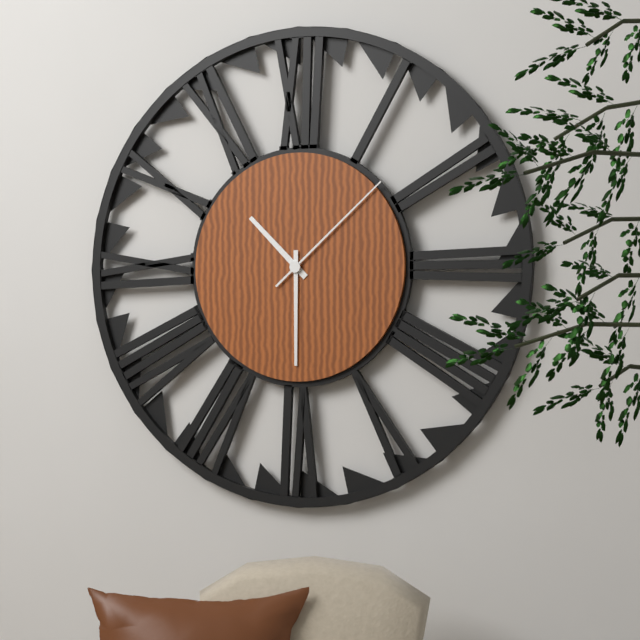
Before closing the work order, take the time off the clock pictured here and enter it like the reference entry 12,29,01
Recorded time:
10,30,08
